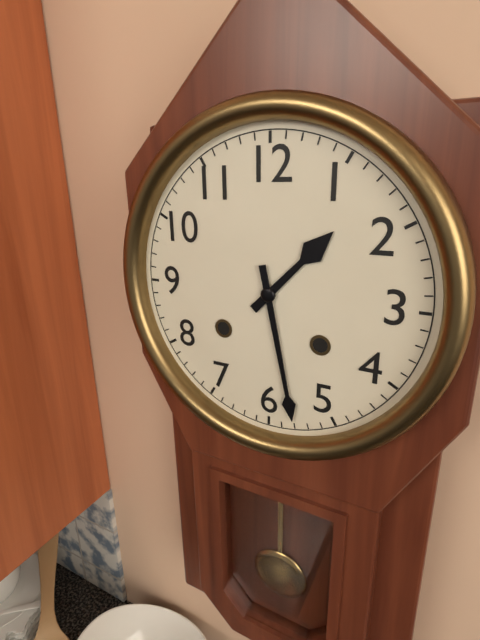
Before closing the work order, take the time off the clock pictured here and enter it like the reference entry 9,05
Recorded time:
1,28
